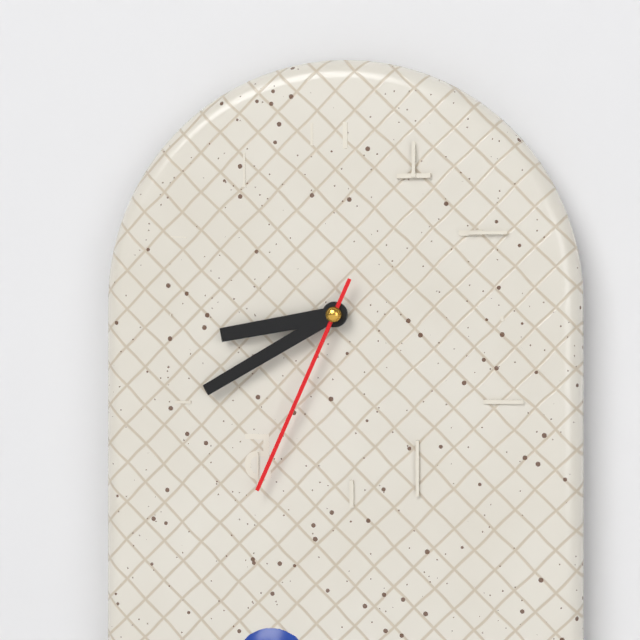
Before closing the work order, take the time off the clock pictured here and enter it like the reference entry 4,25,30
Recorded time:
8,40,34
